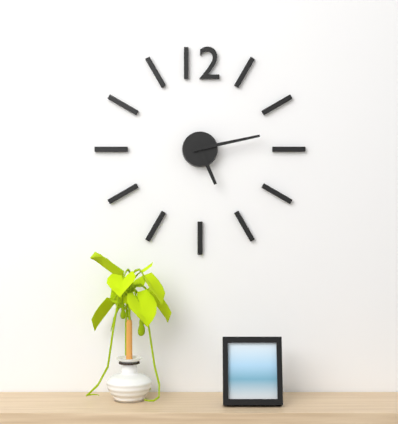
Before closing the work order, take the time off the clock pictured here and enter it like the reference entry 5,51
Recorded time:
5,13
